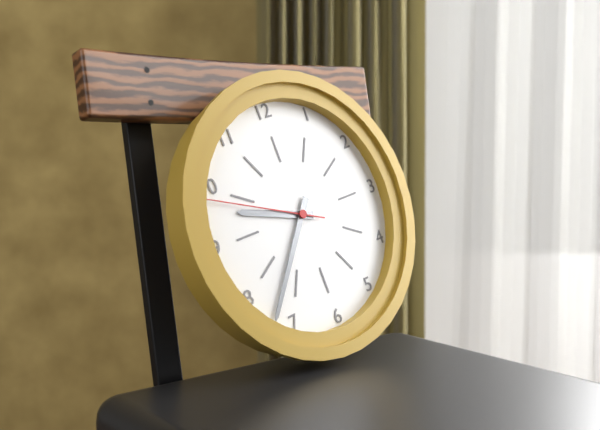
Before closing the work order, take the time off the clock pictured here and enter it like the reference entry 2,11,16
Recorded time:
9,37,49
